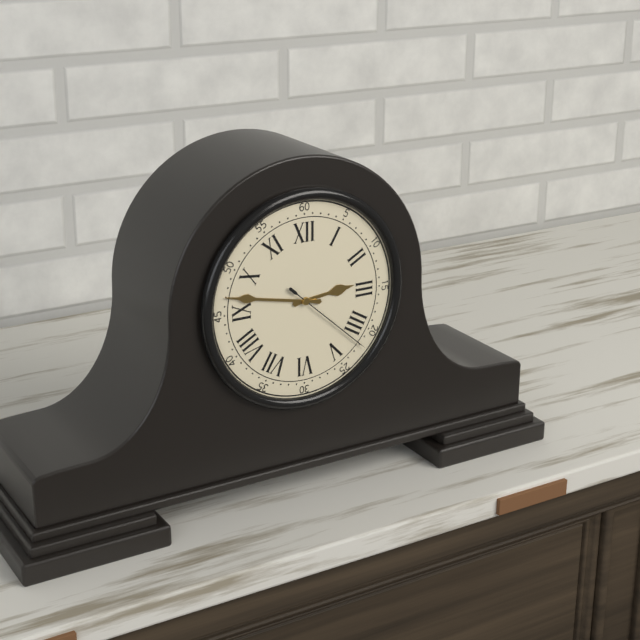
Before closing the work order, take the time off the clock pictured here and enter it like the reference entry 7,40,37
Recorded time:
2,47,22
